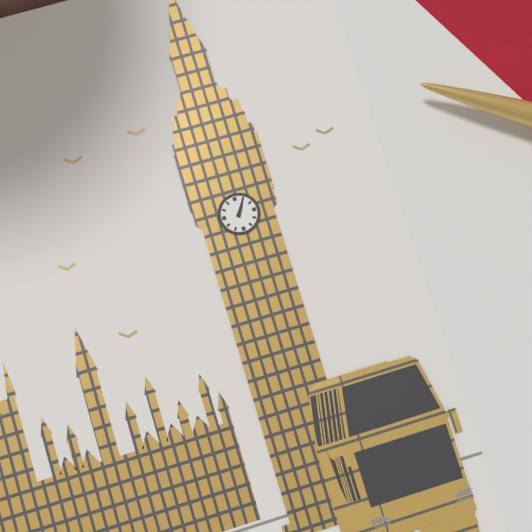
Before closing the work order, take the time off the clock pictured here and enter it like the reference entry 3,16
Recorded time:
1,05
